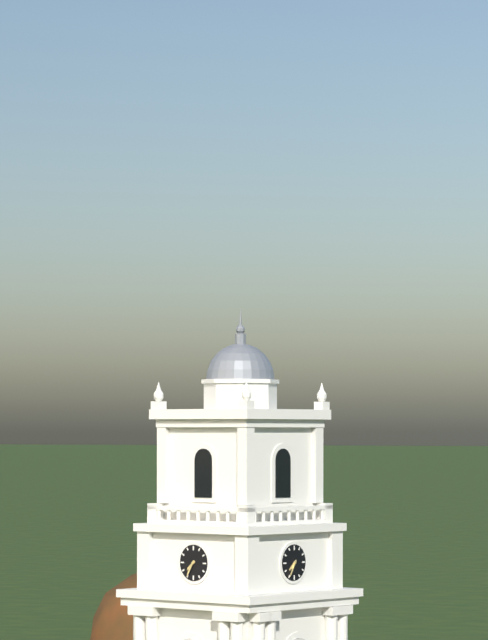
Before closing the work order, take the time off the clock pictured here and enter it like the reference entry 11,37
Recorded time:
7,35
